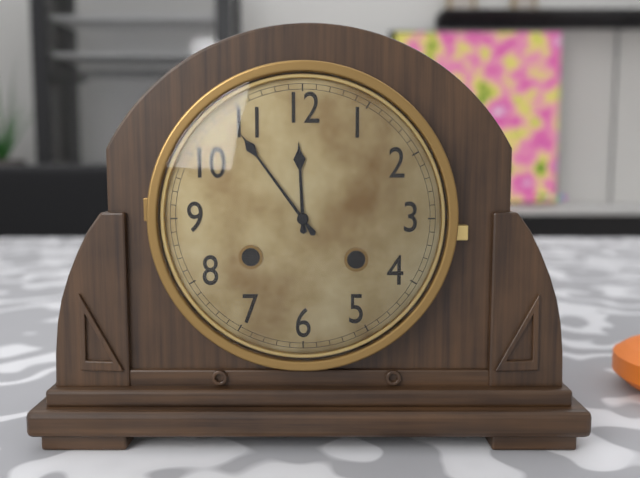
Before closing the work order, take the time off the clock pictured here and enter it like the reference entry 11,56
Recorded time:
11,54
